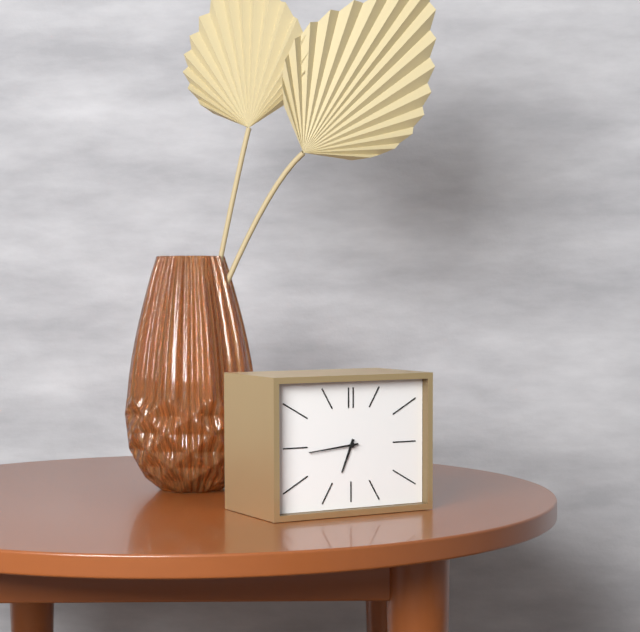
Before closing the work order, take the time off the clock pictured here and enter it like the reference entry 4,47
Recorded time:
6,44
